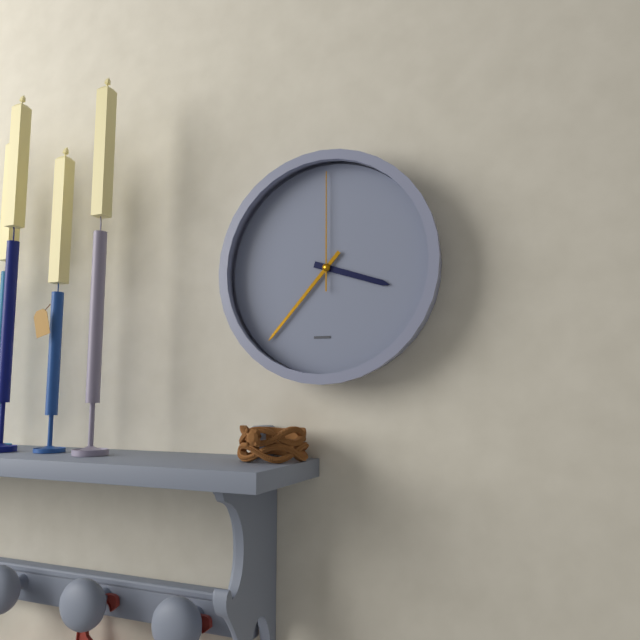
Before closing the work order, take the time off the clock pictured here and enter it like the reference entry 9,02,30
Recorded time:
3,37,00
